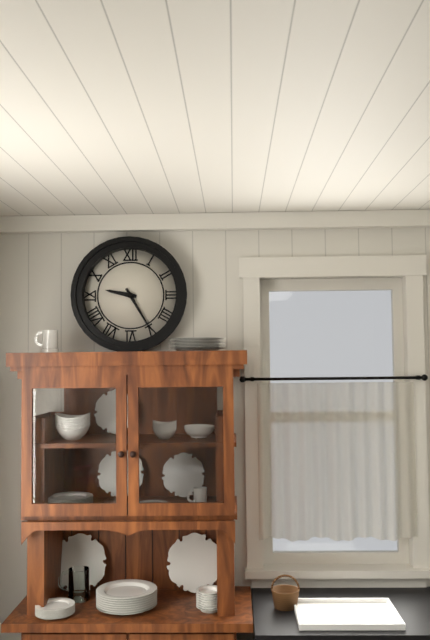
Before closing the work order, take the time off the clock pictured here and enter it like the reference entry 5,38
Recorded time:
9,25
